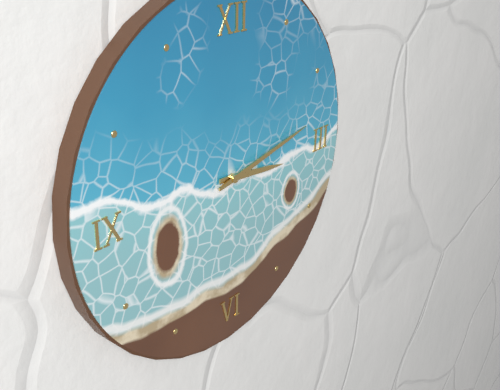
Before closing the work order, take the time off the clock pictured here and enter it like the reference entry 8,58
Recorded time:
3,13
